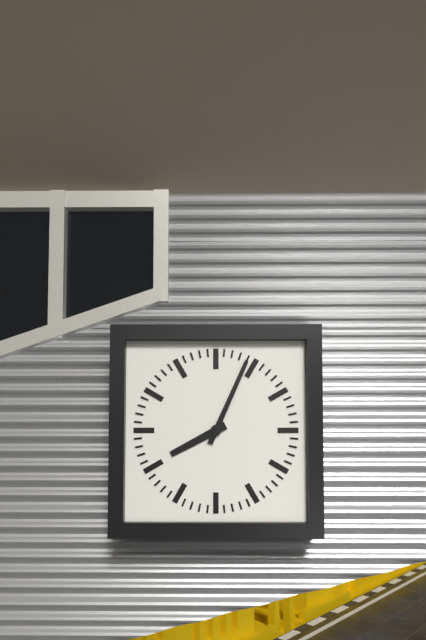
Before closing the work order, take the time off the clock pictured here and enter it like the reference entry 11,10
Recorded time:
8,04
